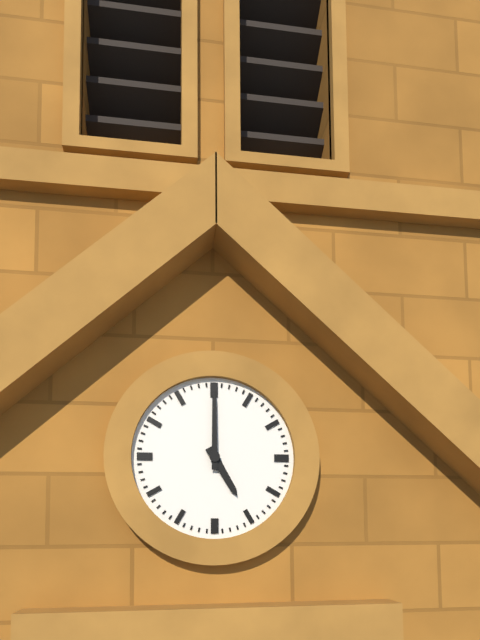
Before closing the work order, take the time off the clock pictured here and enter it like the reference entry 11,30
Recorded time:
5,00
